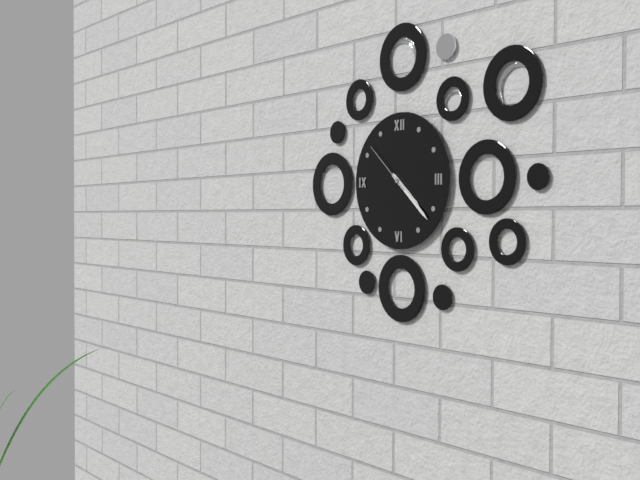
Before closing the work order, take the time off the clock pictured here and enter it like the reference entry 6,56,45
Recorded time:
4,22,52
